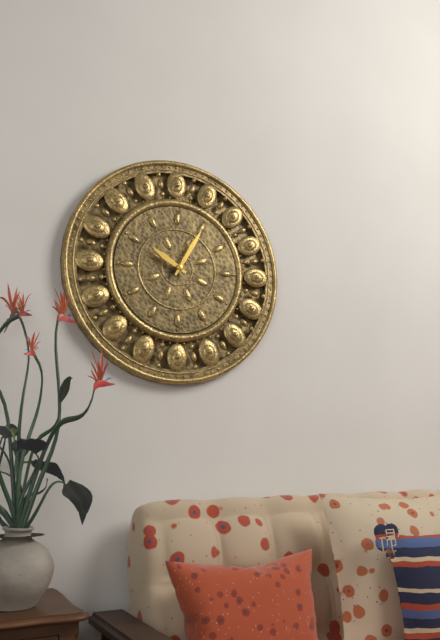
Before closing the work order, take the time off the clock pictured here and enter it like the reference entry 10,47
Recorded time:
10,05
